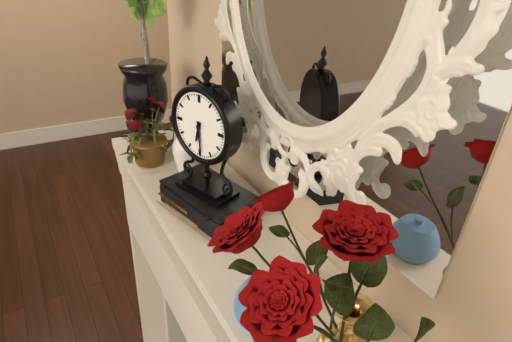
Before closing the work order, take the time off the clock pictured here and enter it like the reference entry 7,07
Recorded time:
6,29
